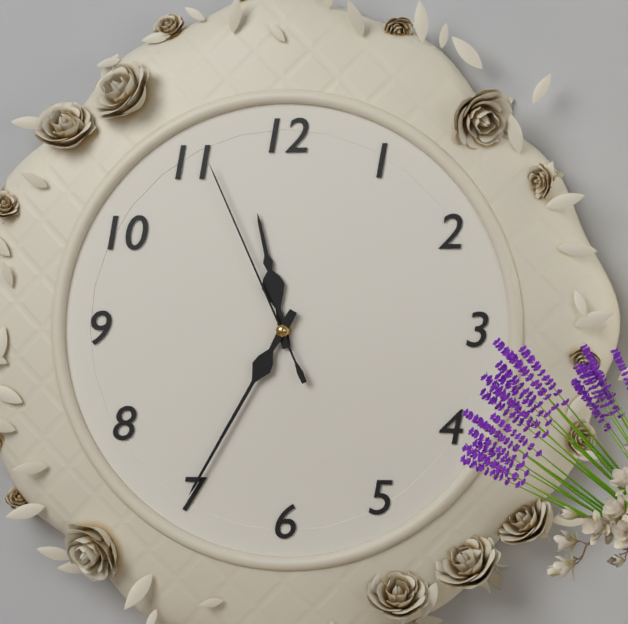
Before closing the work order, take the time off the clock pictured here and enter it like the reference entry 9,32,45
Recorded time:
11,35,56
